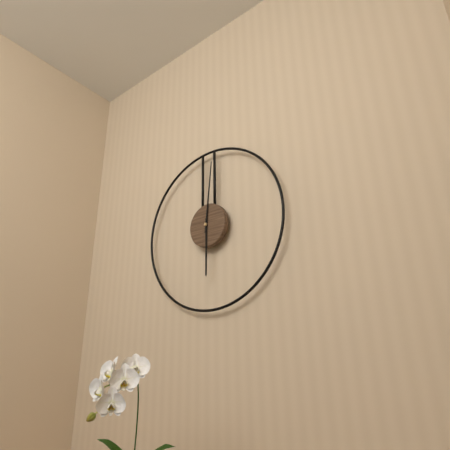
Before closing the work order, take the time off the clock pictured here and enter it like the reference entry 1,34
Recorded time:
6,01
